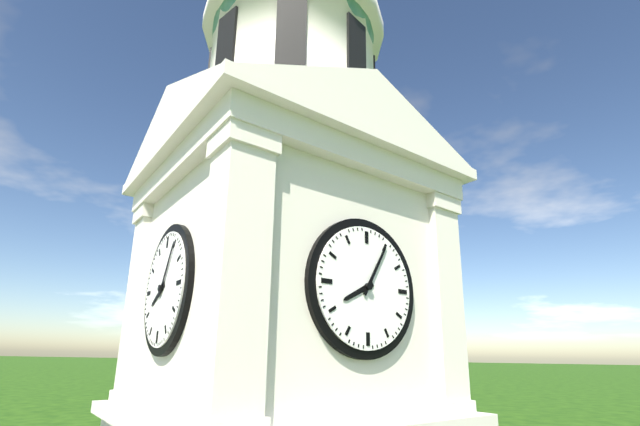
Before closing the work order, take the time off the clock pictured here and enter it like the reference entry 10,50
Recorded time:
8,05
